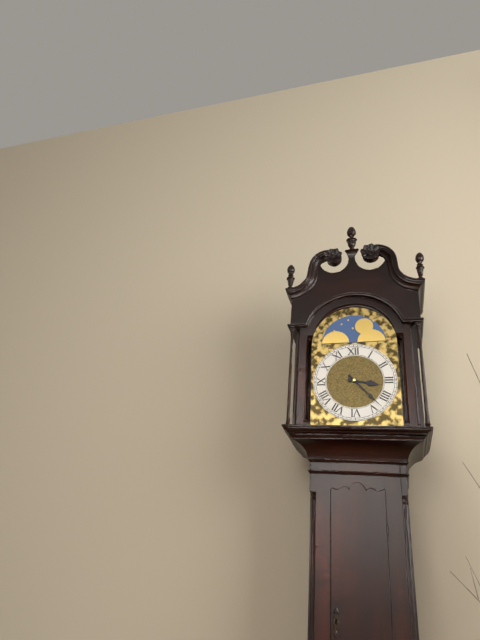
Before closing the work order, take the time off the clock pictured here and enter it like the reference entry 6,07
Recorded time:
3,23
